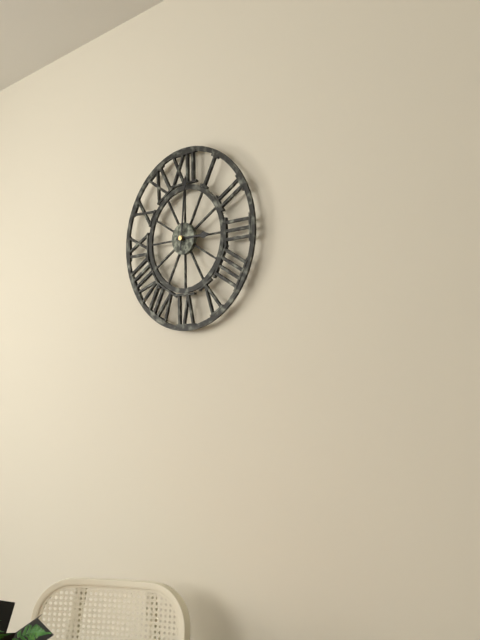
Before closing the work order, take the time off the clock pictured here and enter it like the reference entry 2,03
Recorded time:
3,01
